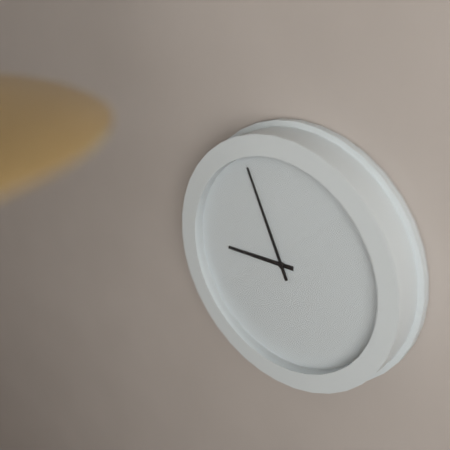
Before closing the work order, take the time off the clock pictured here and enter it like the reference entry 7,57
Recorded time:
8,56
